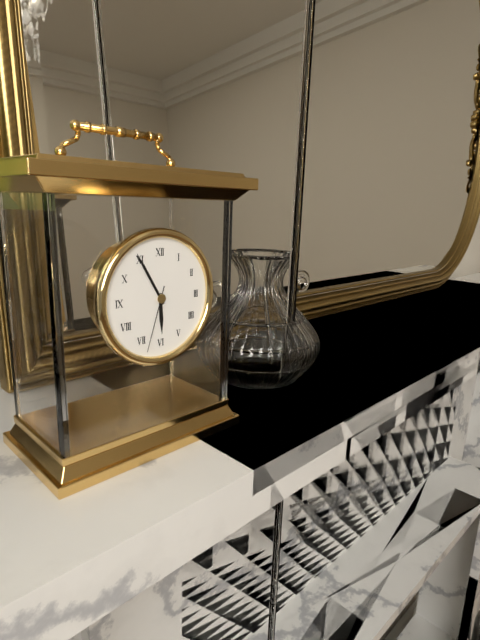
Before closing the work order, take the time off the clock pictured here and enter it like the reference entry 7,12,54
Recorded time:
5,55,33
